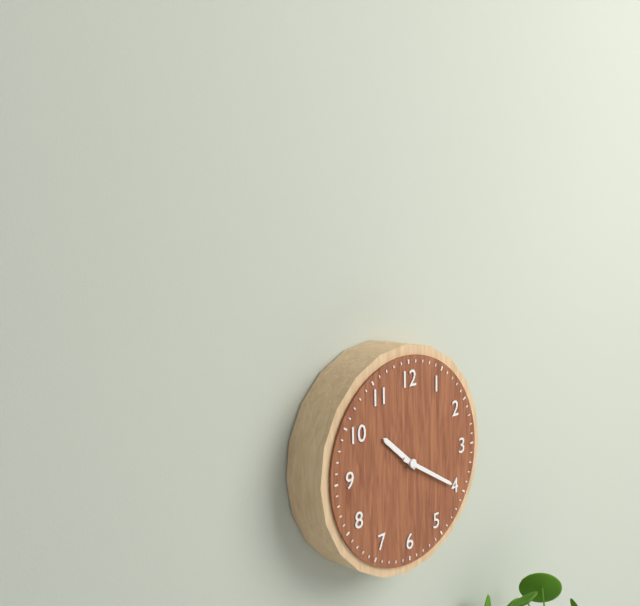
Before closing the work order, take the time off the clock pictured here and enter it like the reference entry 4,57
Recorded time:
10,20
